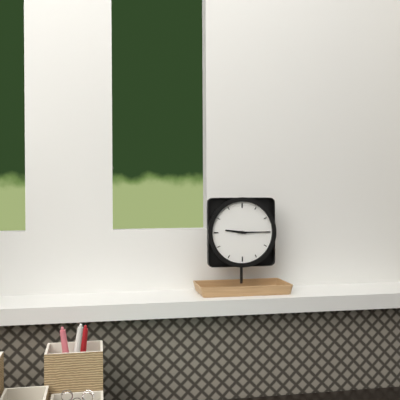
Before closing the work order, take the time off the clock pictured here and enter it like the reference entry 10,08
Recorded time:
9,15
